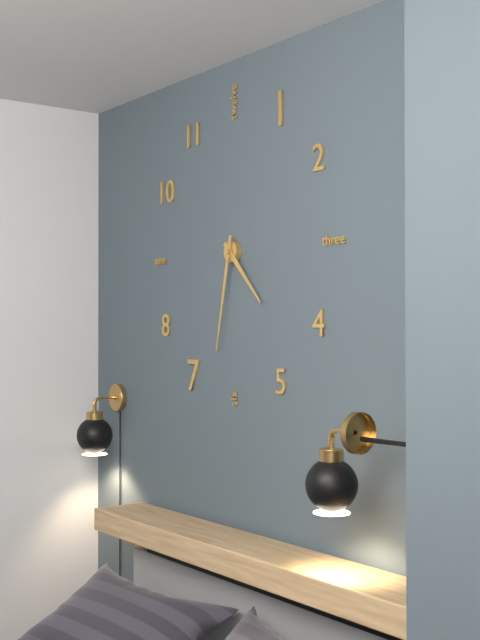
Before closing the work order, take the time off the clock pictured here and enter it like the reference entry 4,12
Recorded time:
4,32
